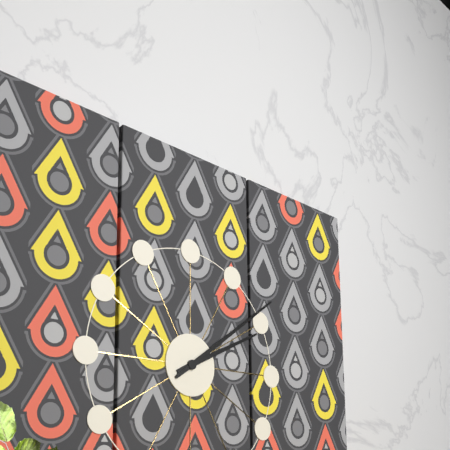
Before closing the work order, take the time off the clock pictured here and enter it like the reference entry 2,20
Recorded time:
2,09
